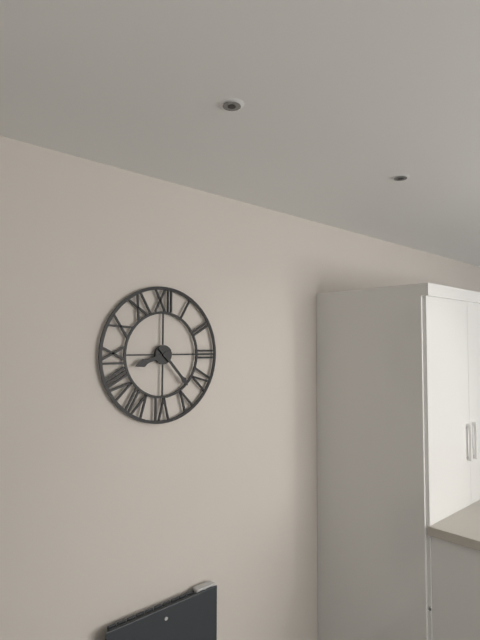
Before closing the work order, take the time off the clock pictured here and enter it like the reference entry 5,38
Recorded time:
8,23
